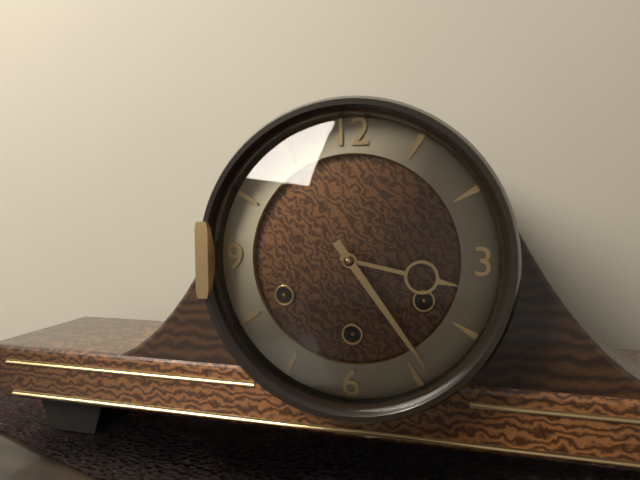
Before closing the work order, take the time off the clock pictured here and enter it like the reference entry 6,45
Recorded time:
3,24
